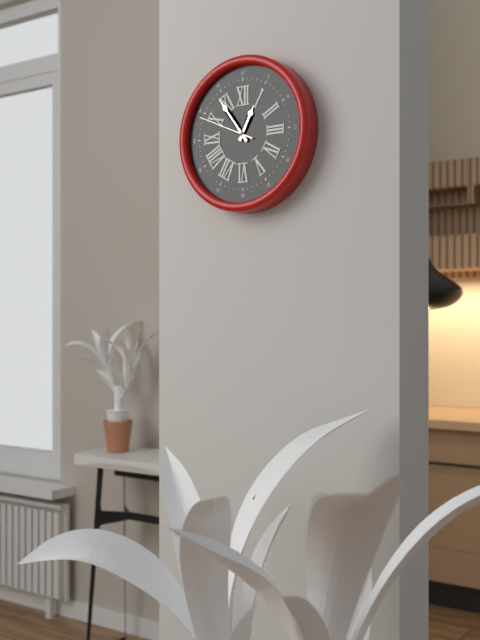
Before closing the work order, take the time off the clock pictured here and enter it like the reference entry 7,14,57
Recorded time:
12,54,49
